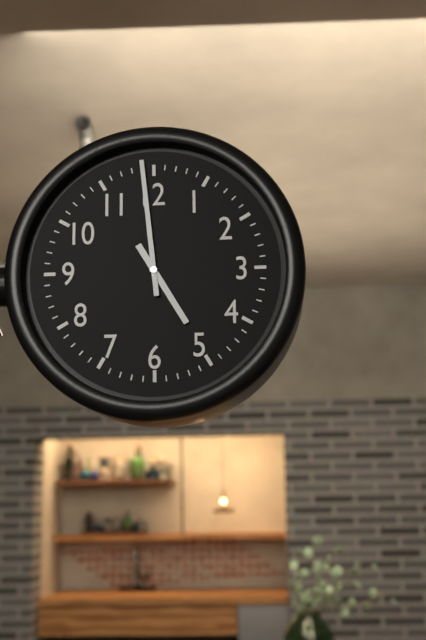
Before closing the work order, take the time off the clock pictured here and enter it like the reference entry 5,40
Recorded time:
4,59
